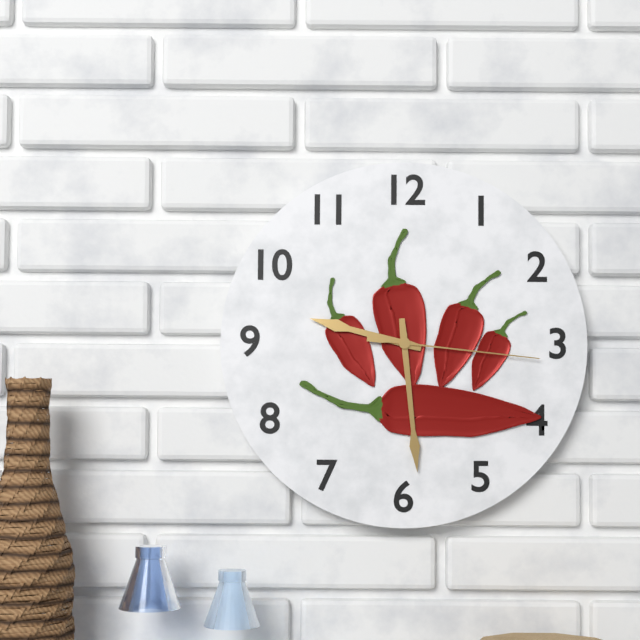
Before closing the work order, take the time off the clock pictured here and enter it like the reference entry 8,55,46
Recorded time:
9,29,16
